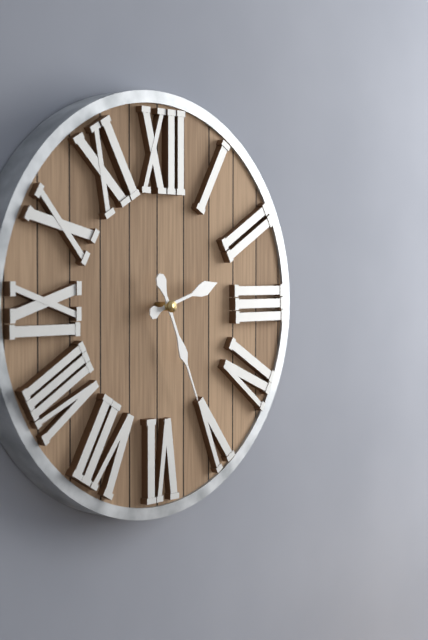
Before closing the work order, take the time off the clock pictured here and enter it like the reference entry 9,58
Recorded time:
2,26
